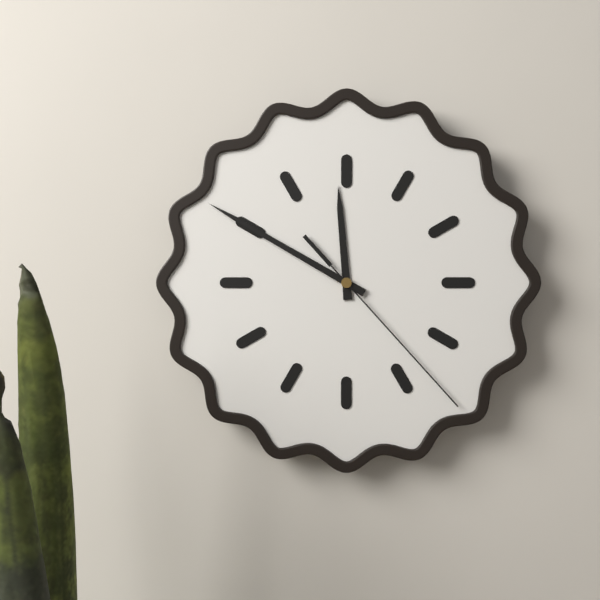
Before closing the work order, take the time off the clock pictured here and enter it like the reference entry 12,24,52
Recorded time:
11,50,23
